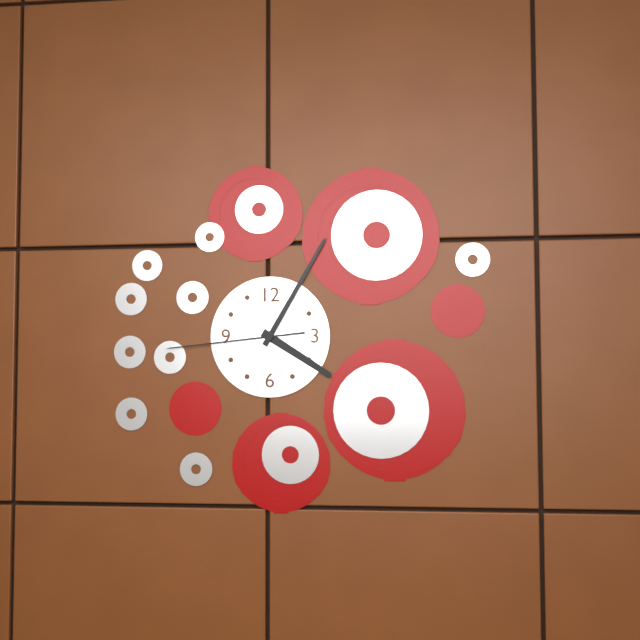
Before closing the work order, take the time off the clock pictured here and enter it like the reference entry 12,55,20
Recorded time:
4,05,44
